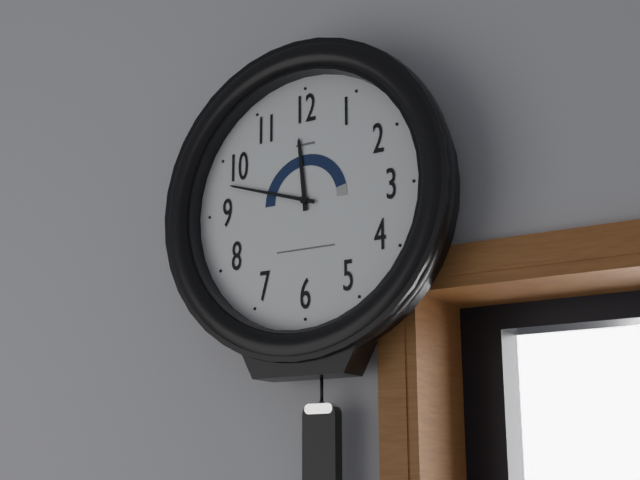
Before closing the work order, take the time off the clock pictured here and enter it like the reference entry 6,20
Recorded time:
11,48
